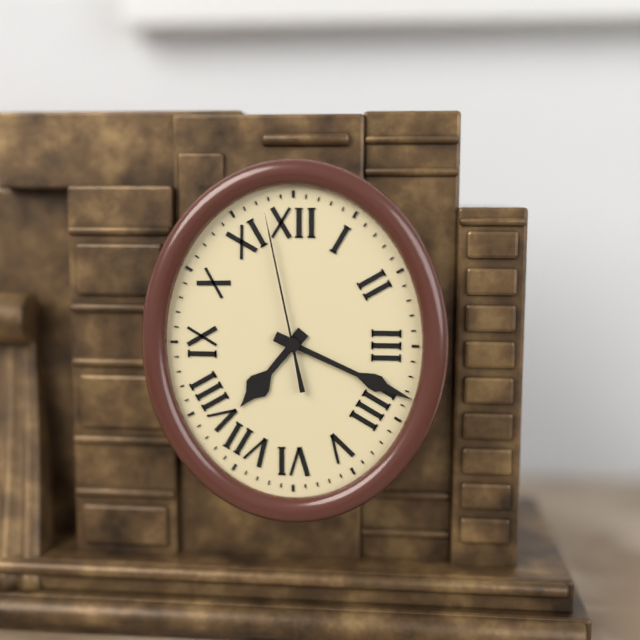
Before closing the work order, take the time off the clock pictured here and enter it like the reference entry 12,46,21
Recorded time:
7,19,58
